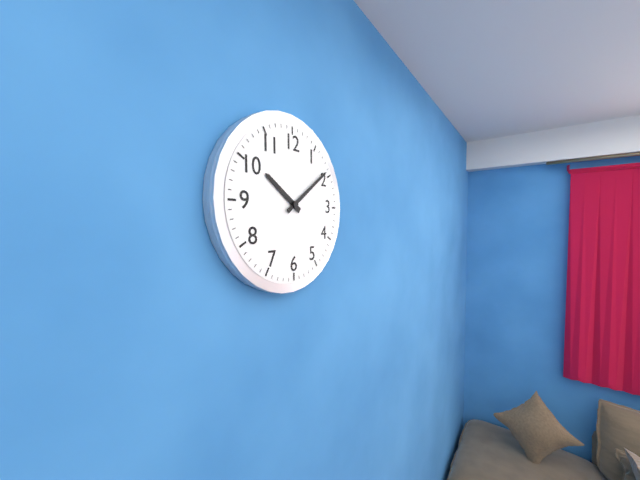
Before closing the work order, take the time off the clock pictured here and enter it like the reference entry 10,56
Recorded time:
10,09
